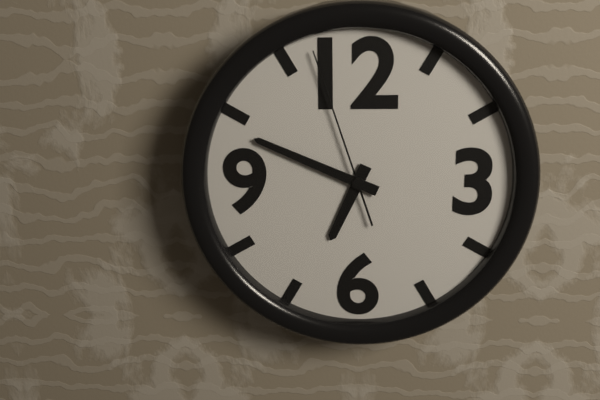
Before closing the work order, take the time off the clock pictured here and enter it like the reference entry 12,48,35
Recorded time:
6,49,57
